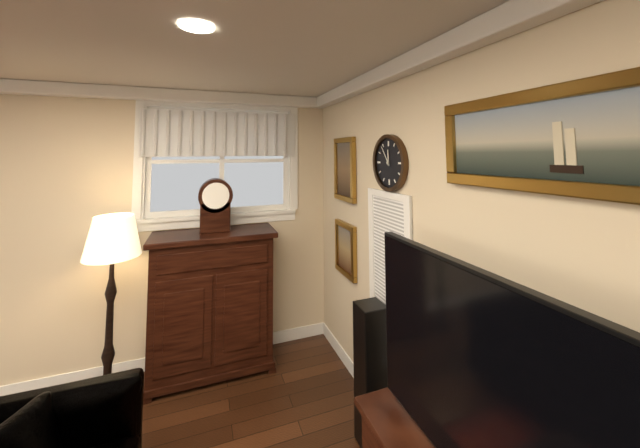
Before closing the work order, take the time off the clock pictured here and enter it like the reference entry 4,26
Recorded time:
11,54
